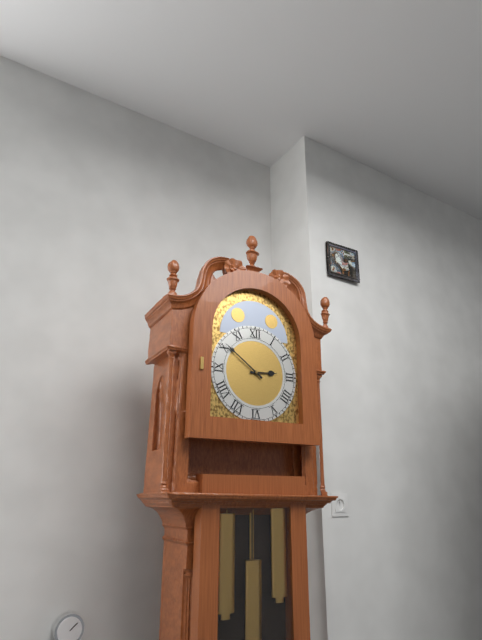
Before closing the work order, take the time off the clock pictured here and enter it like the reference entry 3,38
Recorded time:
2,51
